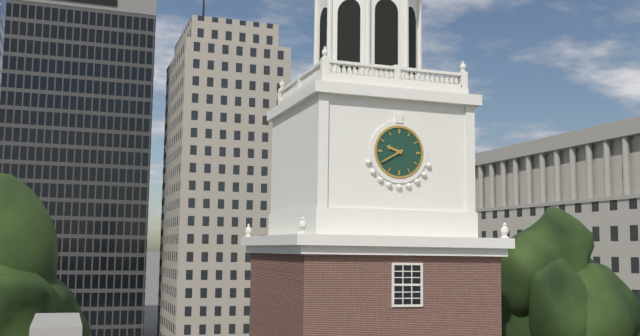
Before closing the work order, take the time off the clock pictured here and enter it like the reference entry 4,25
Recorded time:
9,40
